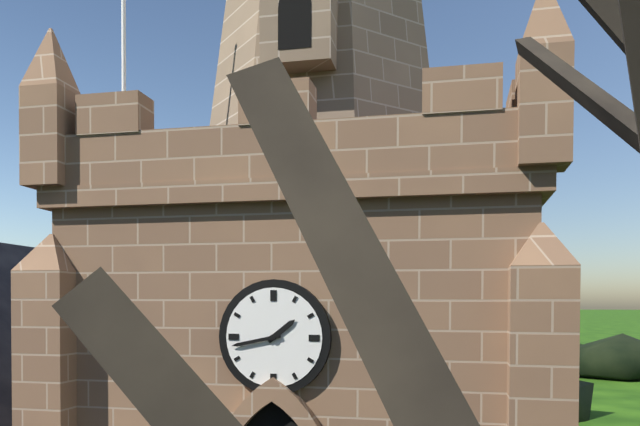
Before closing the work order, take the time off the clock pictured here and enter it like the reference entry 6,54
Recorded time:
1,43
